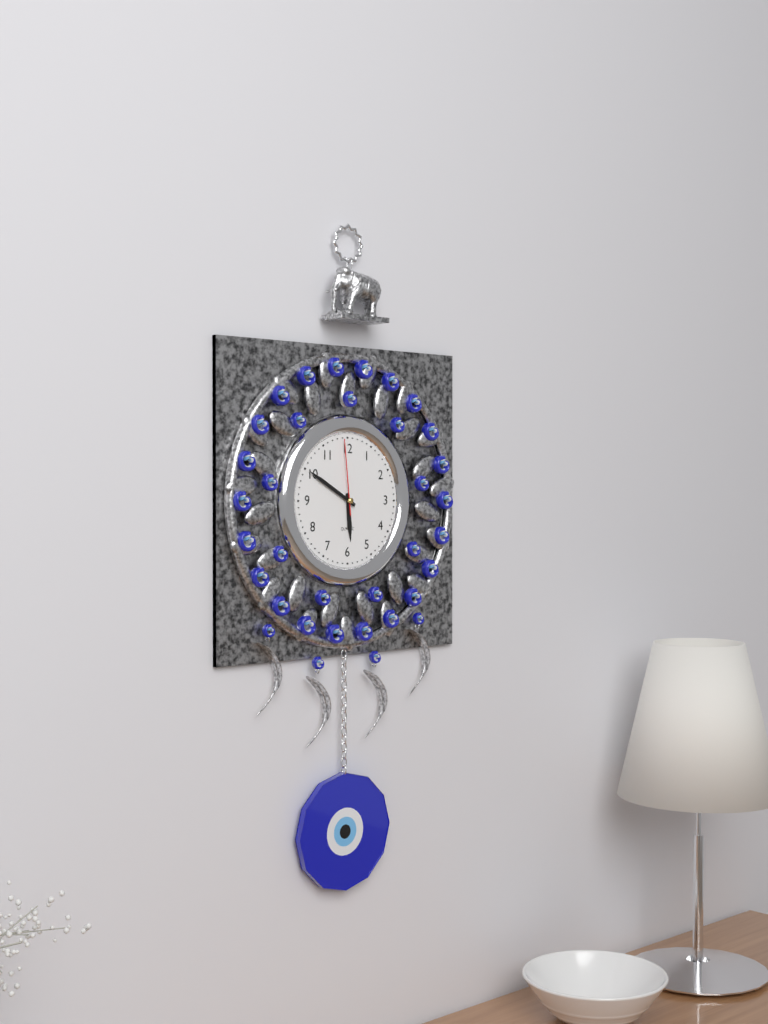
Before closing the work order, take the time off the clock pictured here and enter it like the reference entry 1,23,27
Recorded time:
5,50,59
